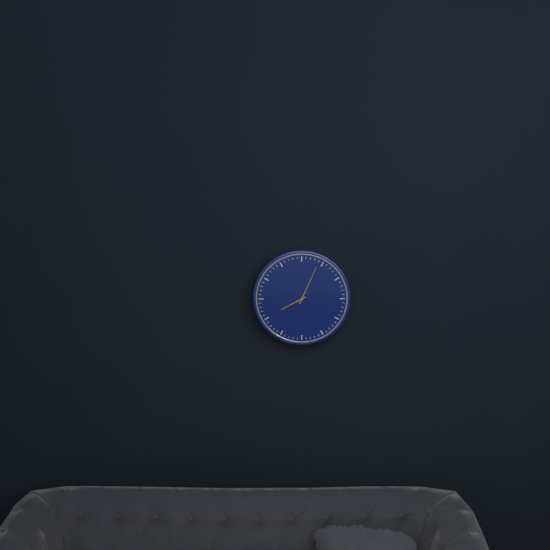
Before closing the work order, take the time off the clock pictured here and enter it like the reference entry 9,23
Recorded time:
8,04
